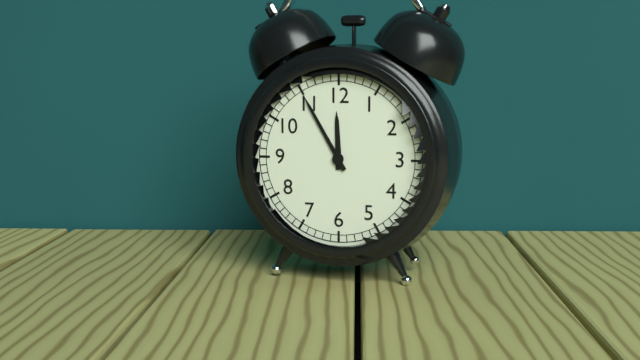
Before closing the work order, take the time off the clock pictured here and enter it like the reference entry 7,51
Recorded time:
11,55
